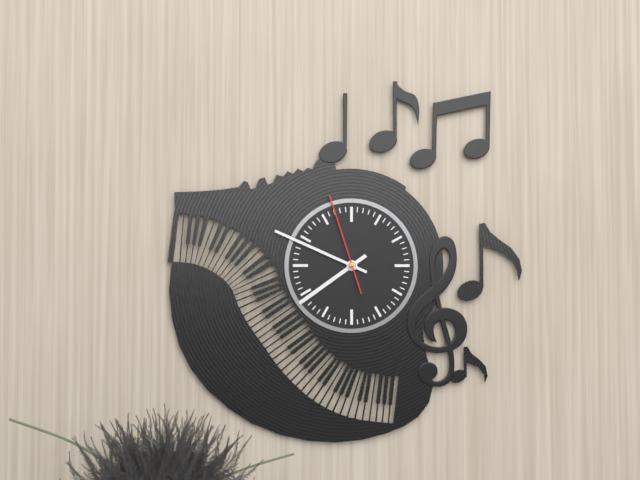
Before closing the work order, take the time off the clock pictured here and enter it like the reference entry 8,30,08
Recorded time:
7,49,57
